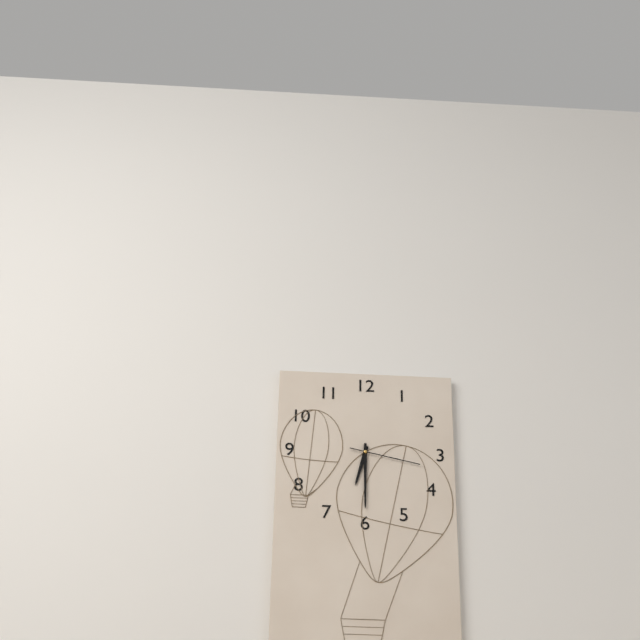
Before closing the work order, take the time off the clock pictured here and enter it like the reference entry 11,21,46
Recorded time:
6,30,17
